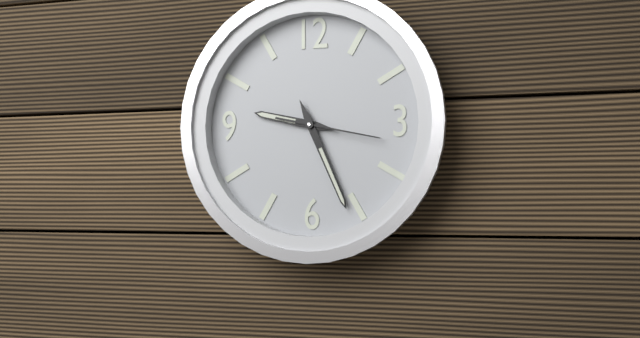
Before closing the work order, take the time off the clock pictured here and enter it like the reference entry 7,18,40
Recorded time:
9,26,17
